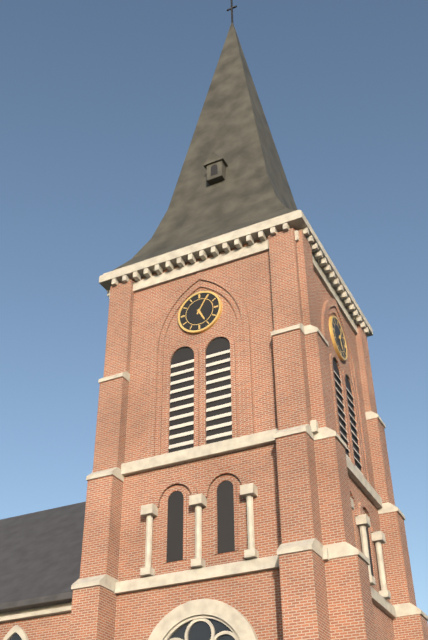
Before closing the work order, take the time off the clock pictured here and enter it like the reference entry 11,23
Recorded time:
5,05
